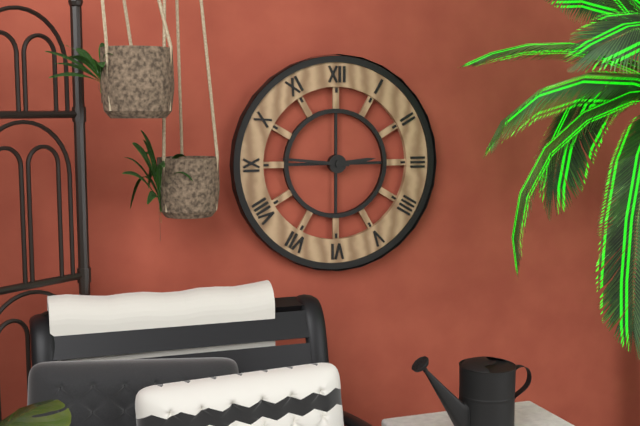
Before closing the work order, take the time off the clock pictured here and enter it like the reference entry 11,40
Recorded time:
2,46
